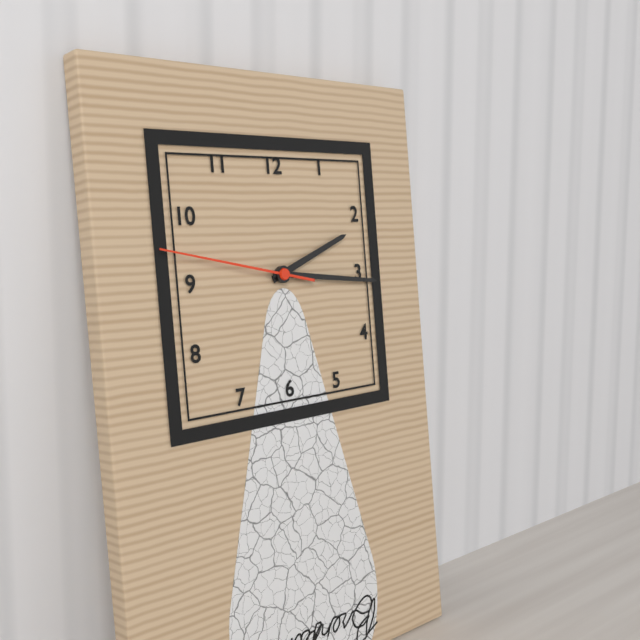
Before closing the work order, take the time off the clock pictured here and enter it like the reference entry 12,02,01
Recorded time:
2,16,47
